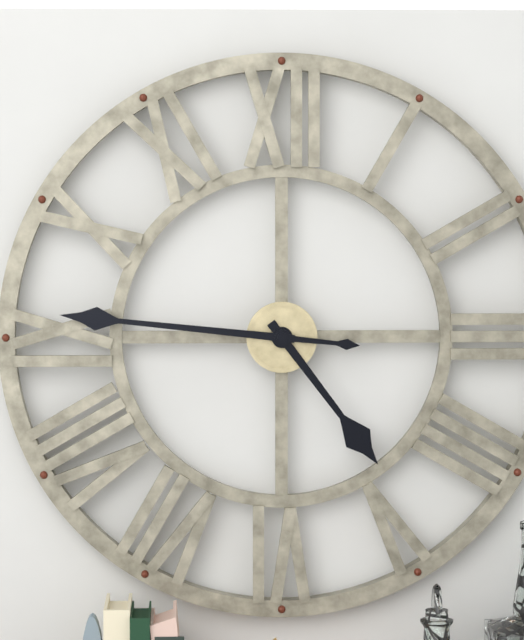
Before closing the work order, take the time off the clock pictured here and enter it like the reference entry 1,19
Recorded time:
4,46
